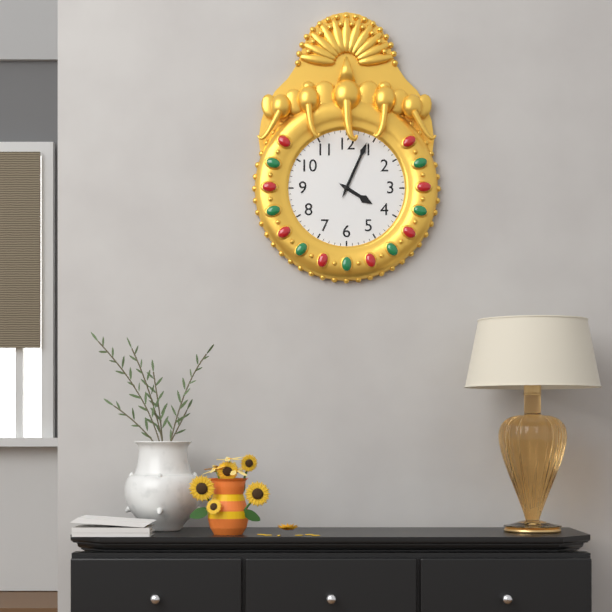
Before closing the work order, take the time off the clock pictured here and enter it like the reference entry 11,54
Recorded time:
4,04
